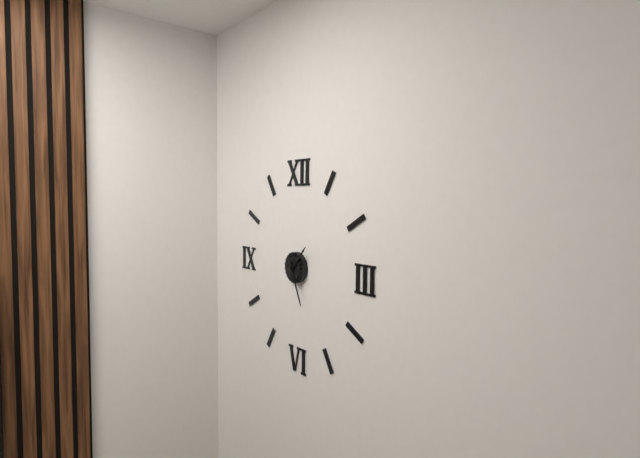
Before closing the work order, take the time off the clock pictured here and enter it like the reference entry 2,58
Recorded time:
1,26
